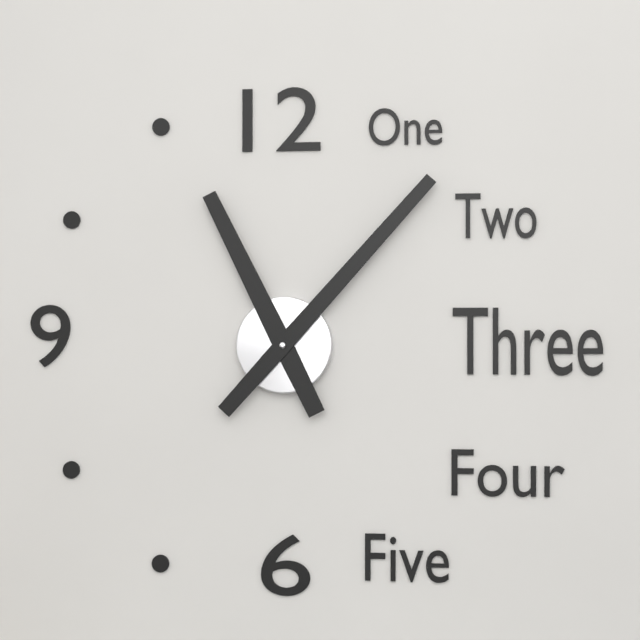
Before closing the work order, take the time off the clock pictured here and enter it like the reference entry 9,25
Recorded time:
11,07
